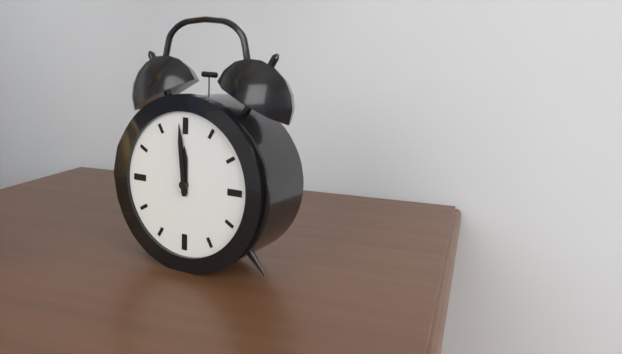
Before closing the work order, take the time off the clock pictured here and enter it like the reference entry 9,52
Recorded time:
11,59
